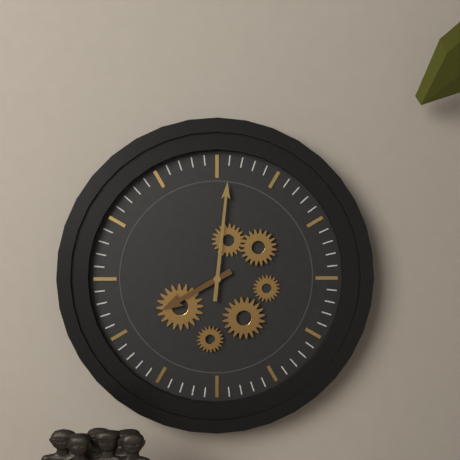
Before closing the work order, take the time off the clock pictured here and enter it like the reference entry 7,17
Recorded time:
8,01
